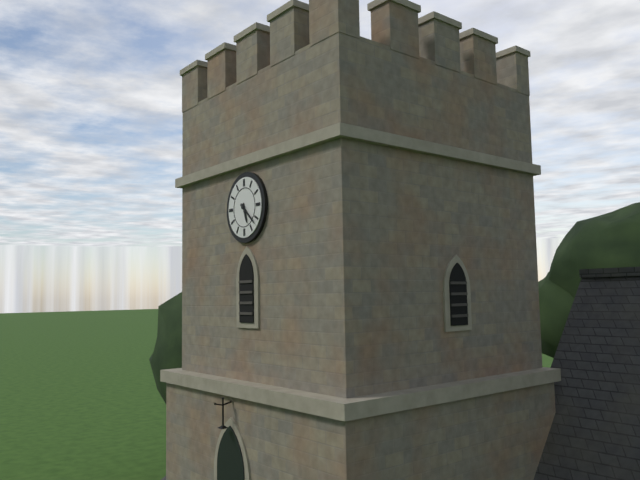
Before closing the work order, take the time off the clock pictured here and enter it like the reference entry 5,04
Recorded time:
5,22
